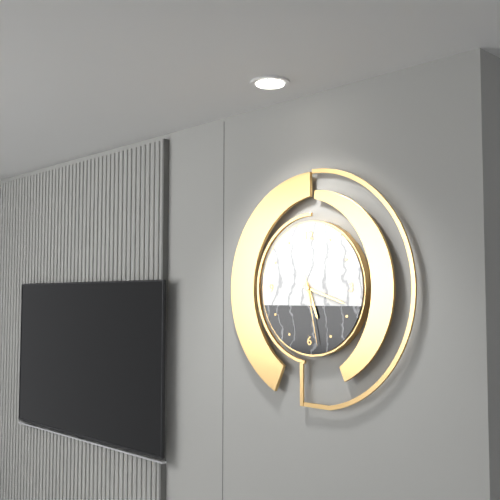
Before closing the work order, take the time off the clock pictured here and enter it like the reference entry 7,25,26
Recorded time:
5,18,28
